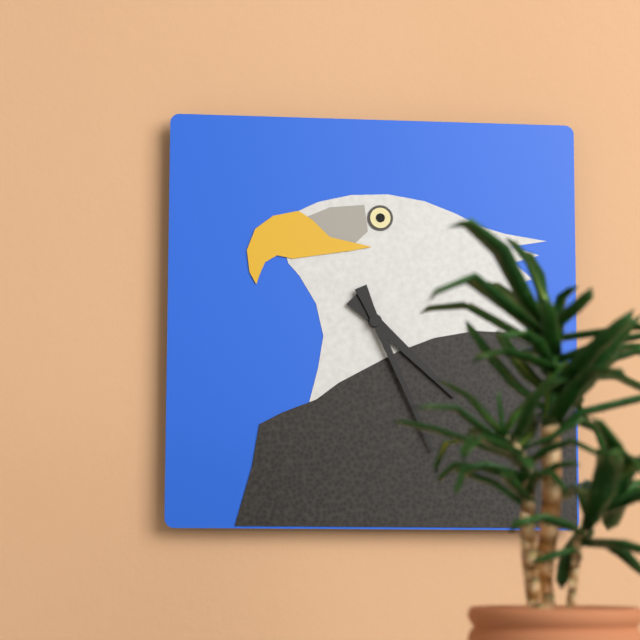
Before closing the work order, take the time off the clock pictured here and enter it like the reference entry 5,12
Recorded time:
4,26
